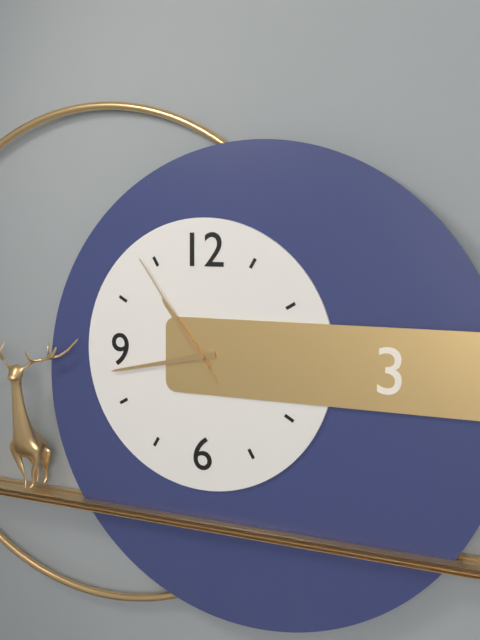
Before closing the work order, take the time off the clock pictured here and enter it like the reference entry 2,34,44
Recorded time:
10,43,54
